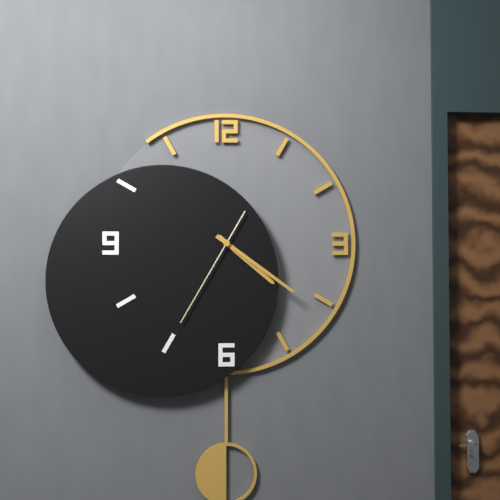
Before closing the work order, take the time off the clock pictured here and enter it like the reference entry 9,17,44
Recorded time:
4,21,35
